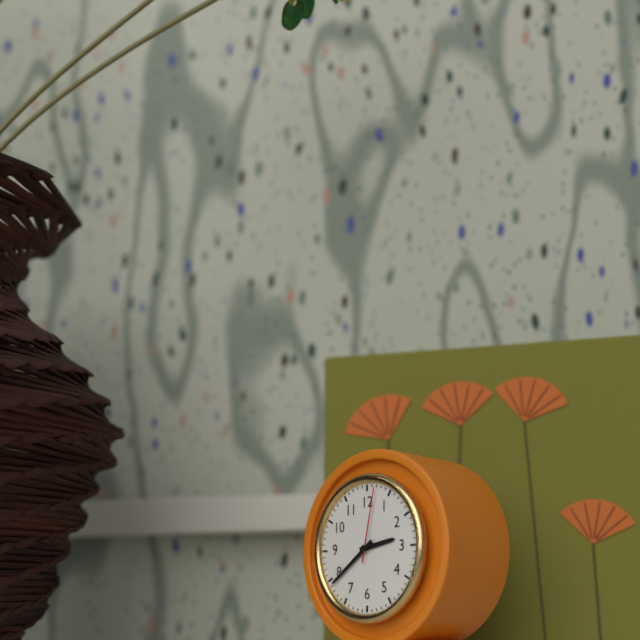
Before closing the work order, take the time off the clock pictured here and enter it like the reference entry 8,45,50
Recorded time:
2,39,02
